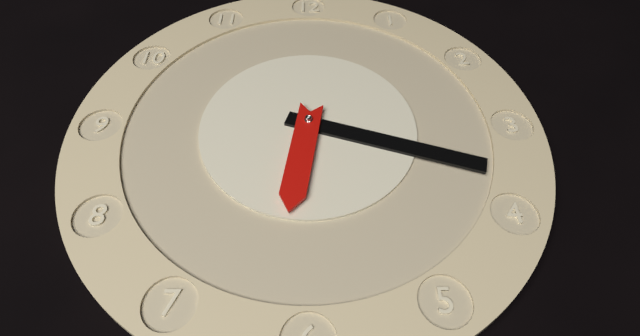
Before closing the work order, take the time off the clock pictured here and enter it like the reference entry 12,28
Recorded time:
6,18
